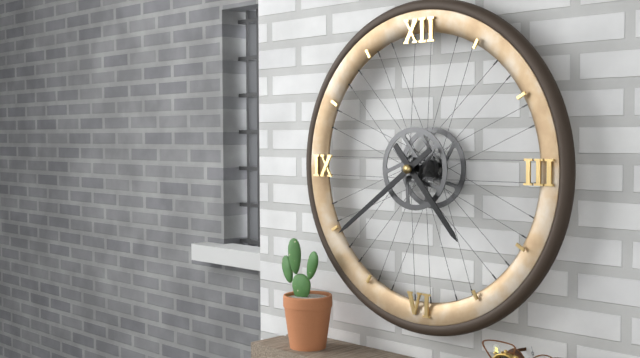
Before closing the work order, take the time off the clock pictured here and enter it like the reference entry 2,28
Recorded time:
4,39
